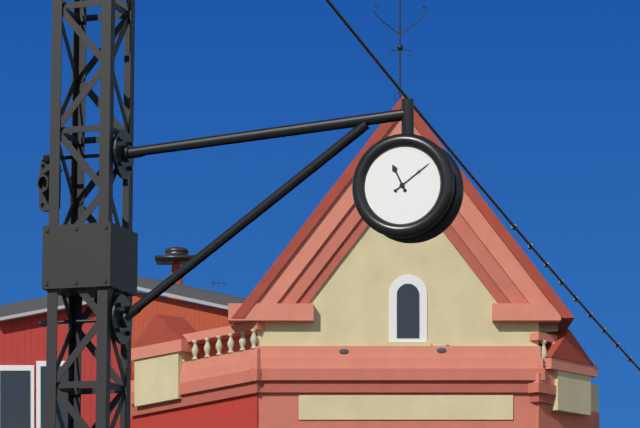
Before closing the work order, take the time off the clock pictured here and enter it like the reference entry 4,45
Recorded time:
11,09
